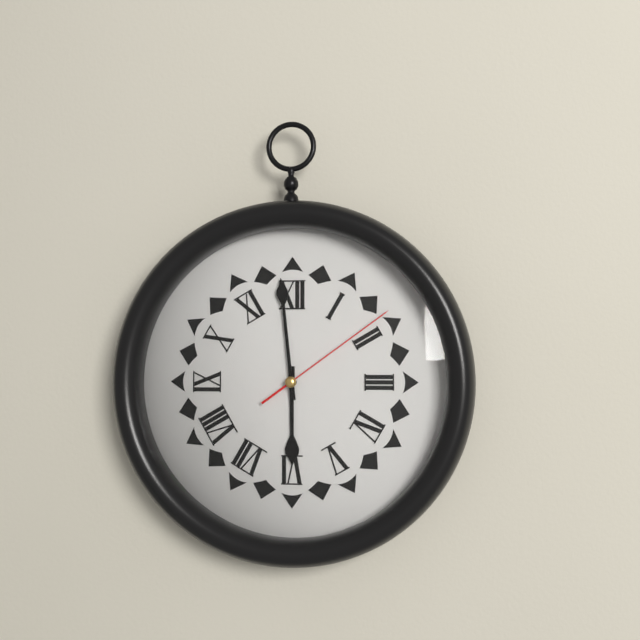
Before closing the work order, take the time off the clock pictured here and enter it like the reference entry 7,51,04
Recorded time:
5,59,09
